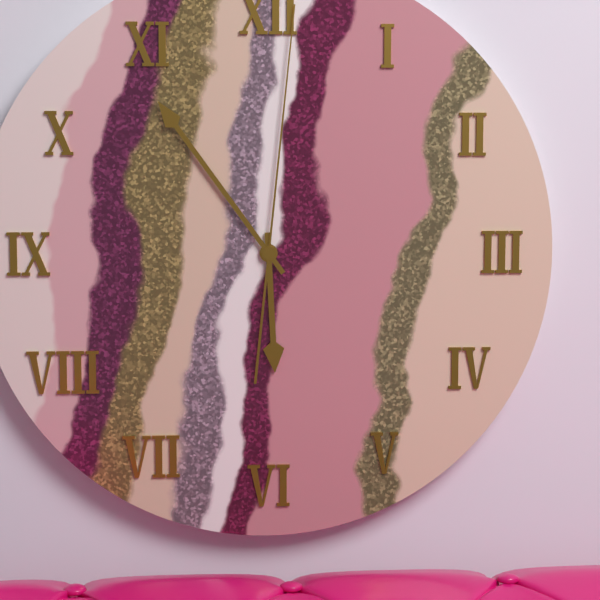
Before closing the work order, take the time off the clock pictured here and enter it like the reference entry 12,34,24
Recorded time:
5,54,01
